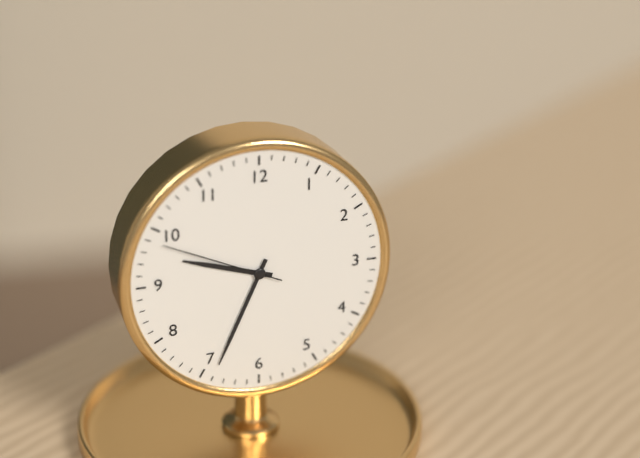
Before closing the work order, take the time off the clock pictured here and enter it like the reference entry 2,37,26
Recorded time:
9,34,49
